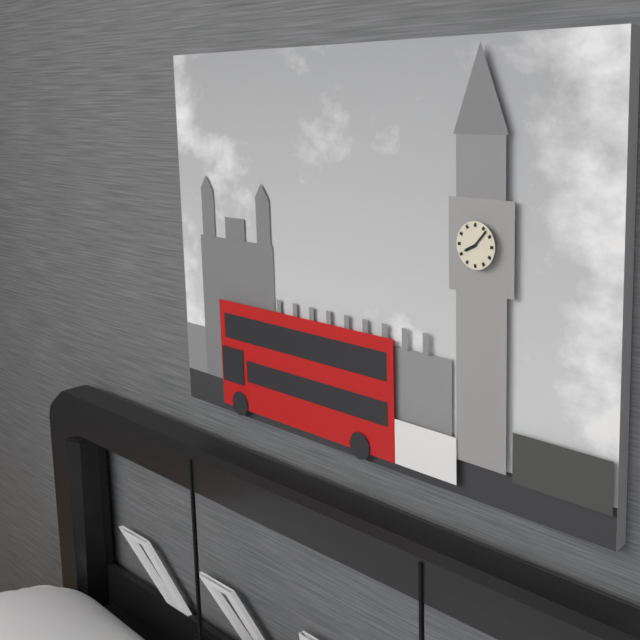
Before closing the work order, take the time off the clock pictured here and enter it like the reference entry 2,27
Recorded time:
8,07
